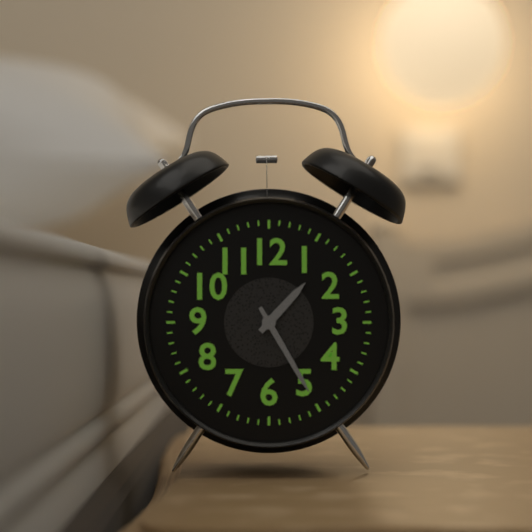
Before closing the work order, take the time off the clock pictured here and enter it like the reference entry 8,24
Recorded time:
1,25
